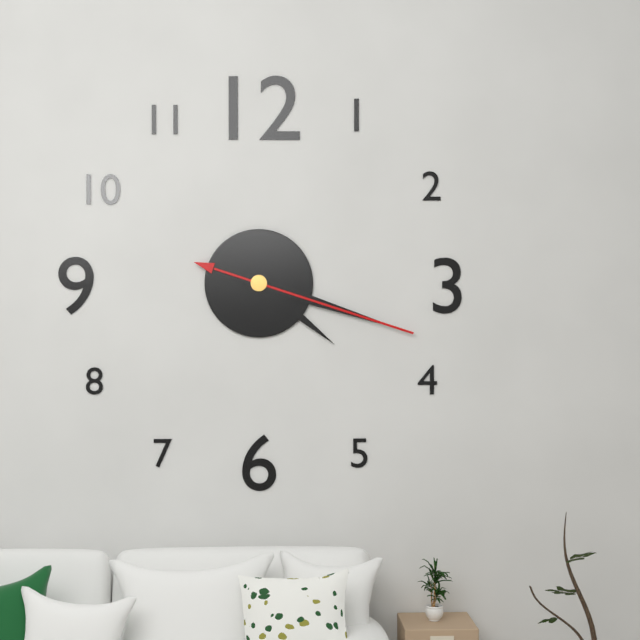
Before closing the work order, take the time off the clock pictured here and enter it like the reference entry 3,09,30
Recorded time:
4,18,18
